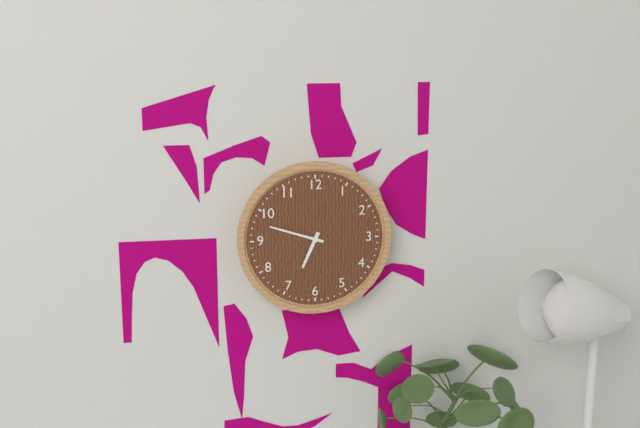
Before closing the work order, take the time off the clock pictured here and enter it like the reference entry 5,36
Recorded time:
6,48
